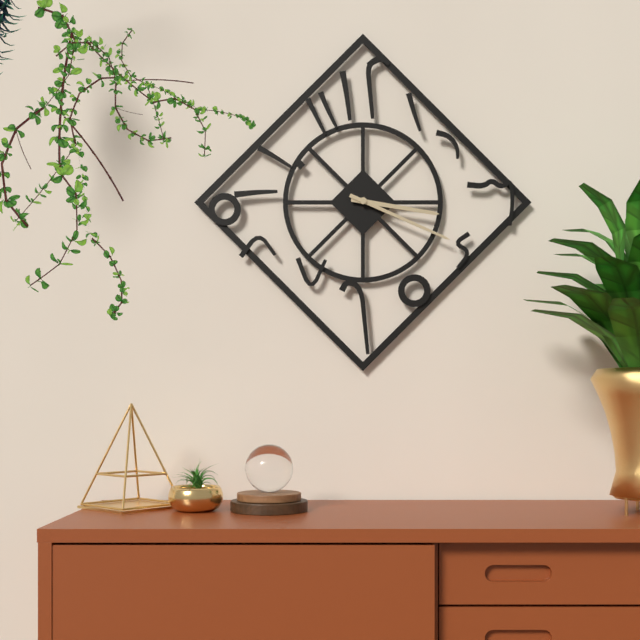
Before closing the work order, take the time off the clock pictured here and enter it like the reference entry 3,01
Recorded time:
3,19
